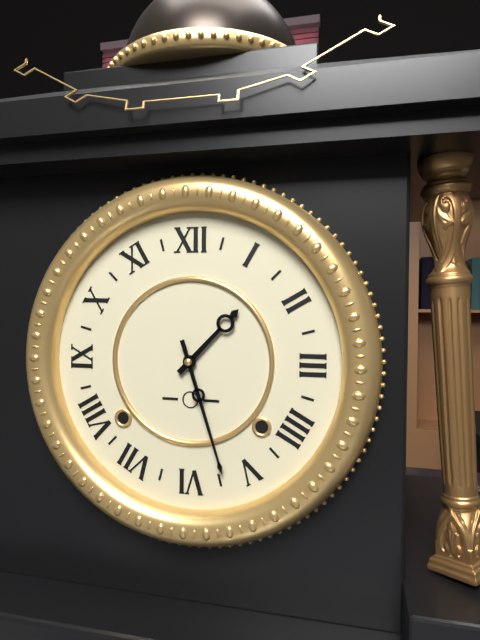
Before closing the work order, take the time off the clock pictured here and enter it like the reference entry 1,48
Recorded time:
1,27
